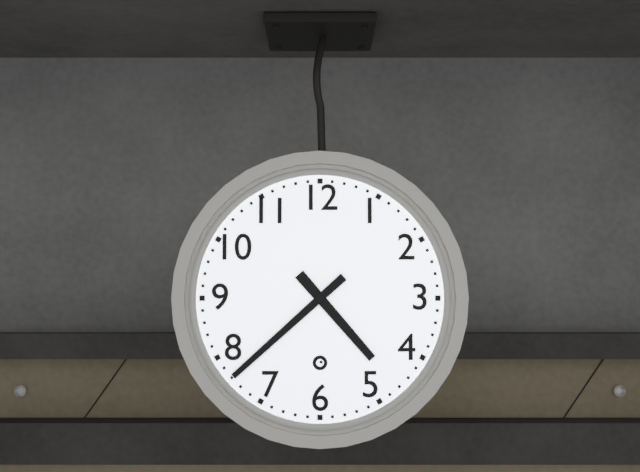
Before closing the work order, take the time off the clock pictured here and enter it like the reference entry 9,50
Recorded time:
4,38
